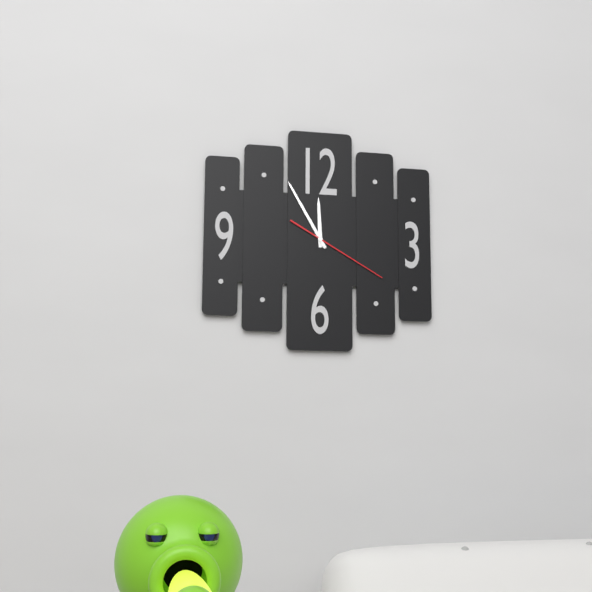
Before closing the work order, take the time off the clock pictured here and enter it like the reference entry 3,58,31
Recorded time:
11,55,20
